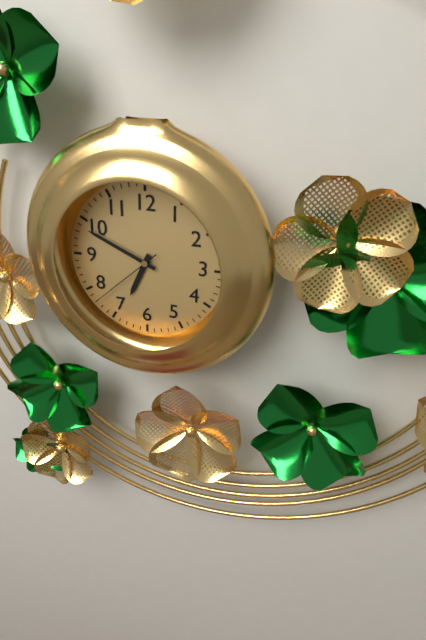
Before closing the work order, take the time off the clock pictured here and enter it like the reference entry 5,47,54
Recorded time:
6,49,38
